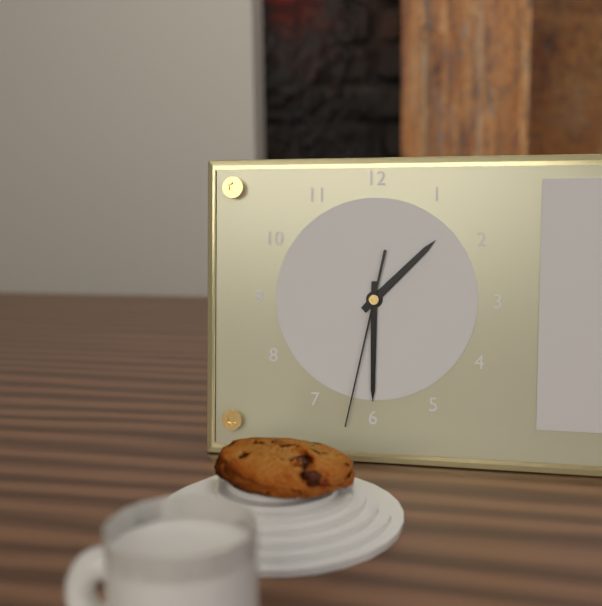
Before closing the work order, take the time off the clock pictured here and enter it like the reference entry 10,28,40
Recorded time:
1,30,32
